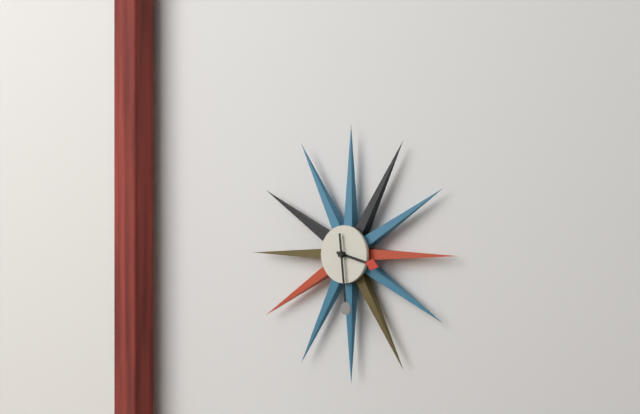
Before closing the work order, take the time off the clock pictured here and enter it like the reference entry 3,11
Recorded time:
3,29
